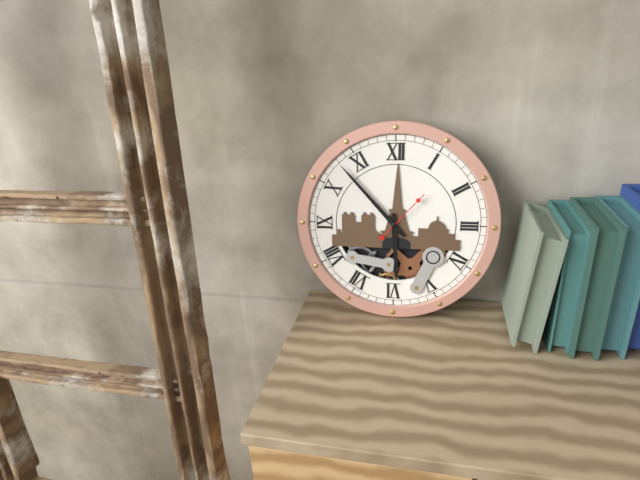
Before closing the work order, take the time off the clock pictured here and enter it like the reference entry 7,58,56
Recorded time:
5,53,07
